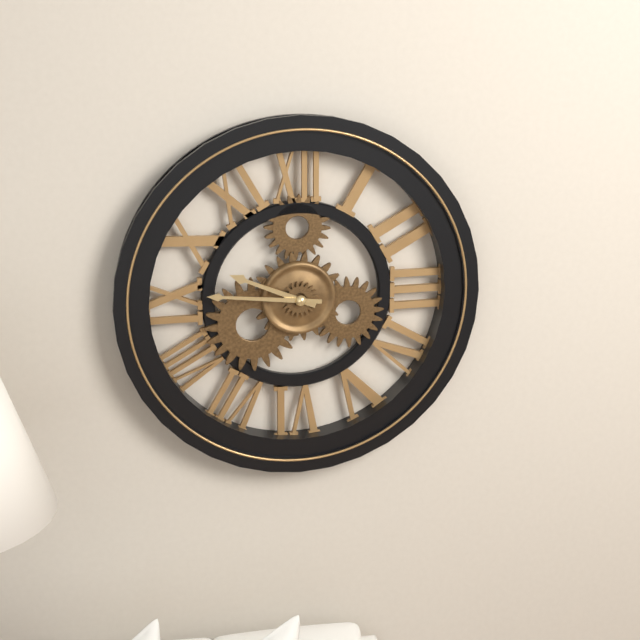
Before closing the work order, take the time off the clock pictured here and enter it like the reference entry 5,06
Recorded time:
9,46
